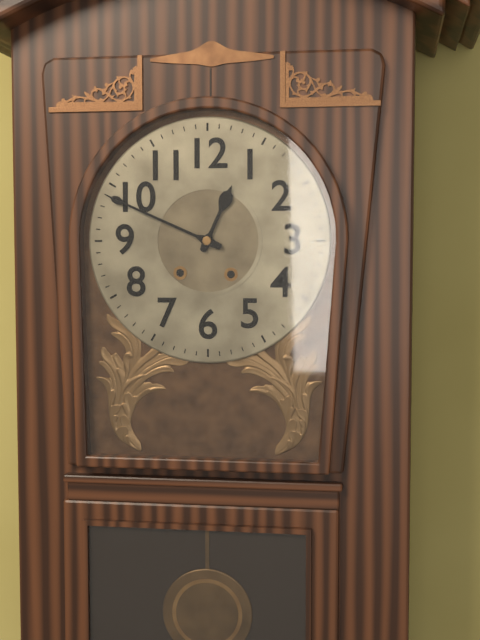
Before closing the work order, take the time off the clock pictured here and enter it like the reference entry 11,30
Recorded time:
12,49
